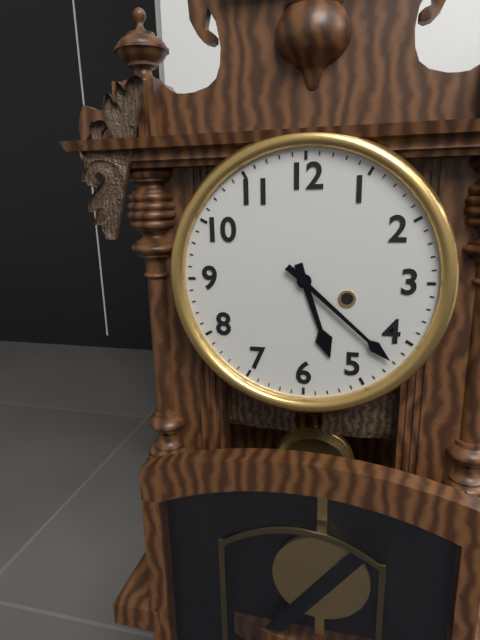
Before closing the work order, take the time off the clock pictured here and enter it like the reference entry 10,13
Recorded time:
5,22
